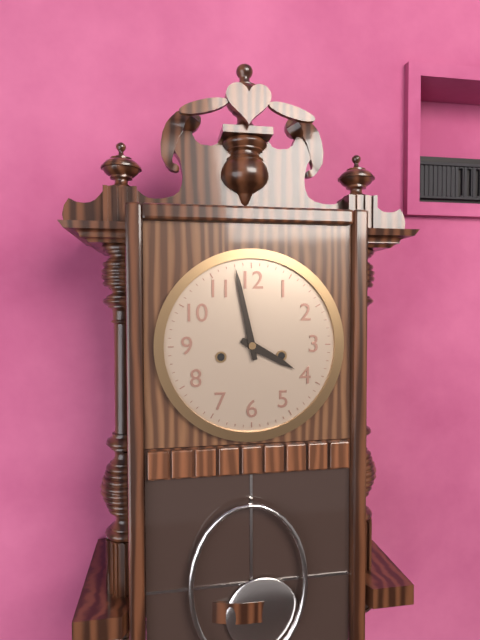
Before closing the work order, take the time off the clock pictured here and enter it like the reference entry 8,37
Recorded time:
3,58
